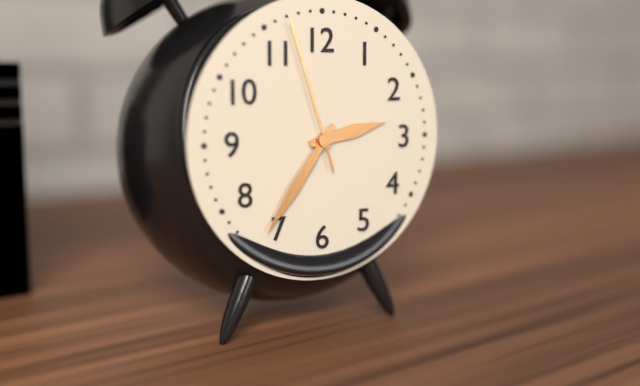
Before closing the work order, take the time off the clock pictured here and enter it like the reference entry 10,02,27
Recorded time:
2,36,57
